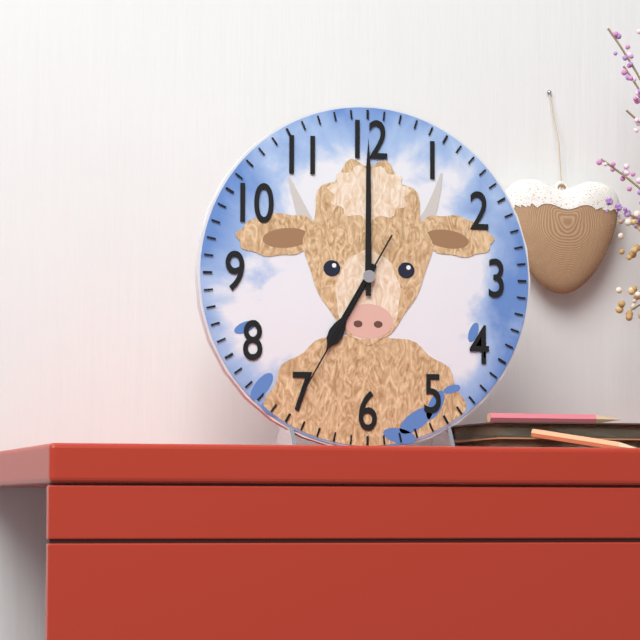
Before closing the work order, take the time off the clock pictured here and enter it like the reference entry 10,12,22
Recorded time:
7,00,35
